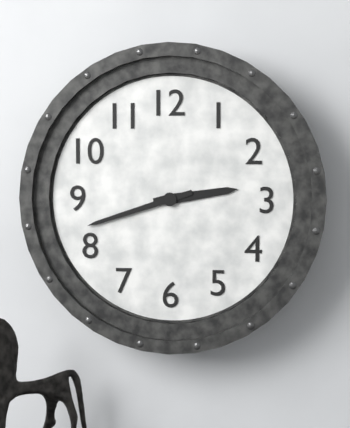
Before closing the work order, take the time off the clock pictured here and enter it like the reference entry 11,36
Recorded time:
2,42
